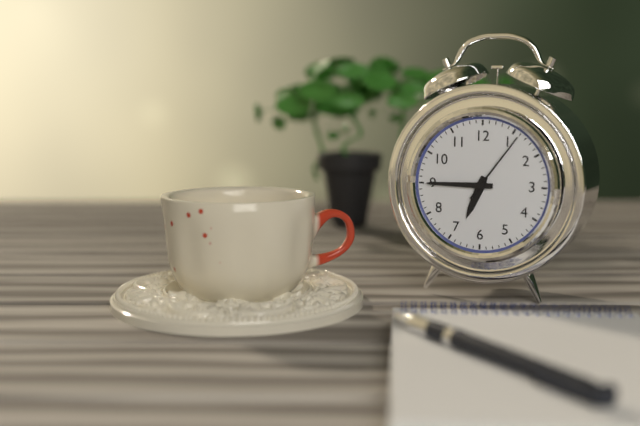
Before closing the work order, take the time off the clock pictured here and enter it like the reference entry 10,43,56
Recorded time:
6,45,06
